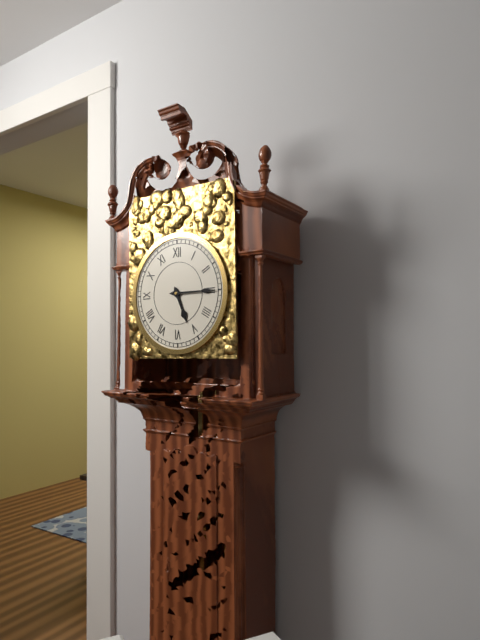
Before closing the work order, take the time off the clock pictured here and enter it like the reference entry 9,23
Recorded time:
5,15
